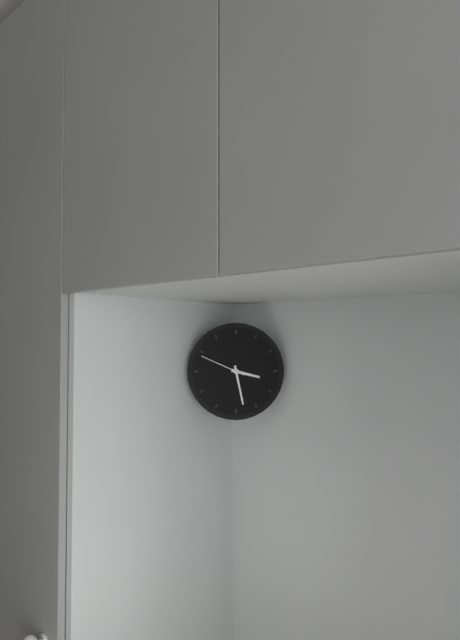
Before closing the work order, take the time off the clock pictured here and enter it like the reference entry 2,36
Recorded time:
3,28
